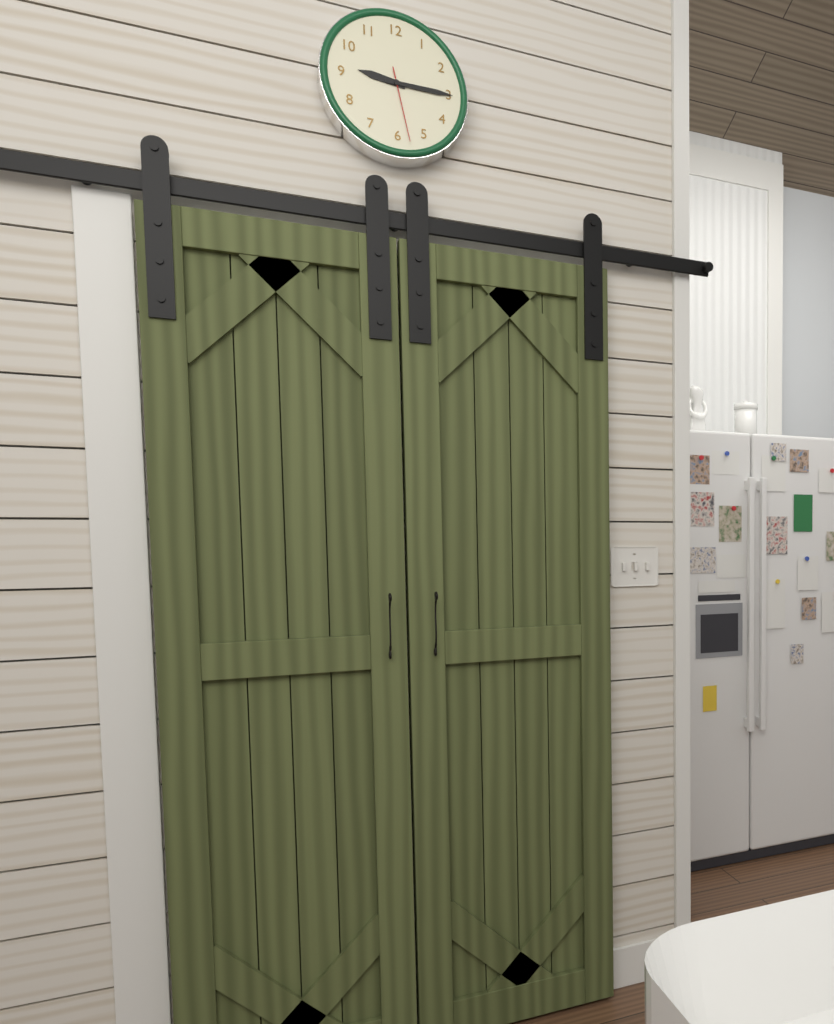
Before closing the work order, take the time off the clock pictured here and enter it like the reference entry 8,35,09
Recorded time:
9,15,28
